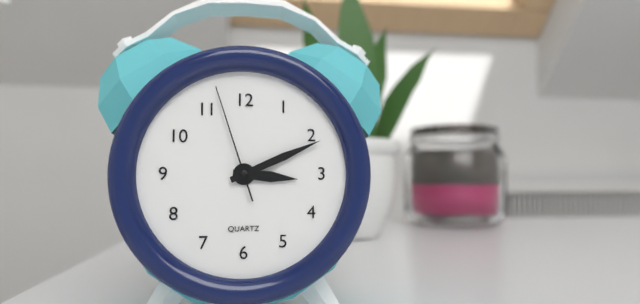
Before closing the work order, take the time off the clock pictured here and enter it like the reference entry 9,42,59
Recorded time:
3,11,57
